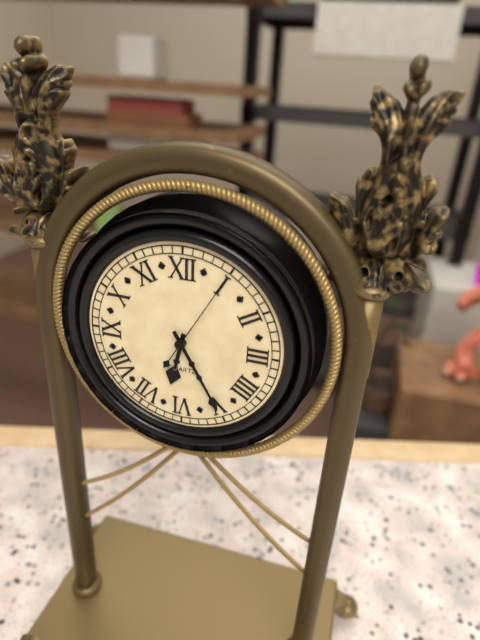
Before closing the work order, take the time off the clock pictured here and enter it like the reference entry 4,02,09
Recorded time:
6,25,05
